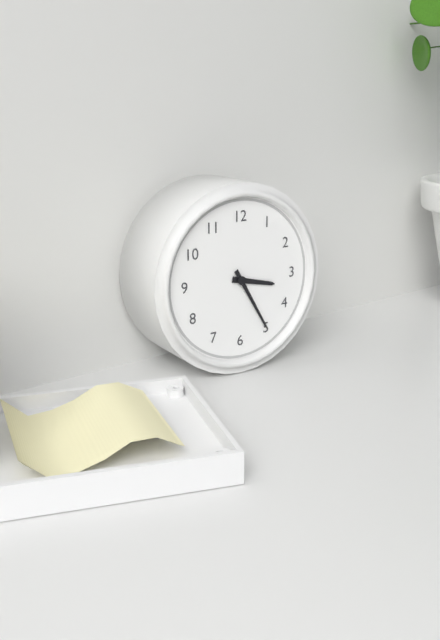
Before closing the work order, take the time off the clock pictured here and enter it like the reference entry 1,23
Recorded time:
3,25
